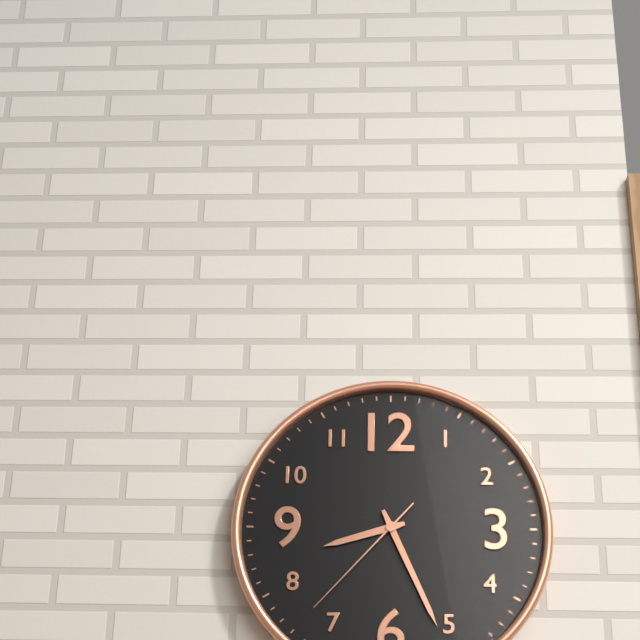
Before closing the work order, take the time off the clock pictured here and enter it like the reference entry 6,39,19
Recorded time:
8,26,37
